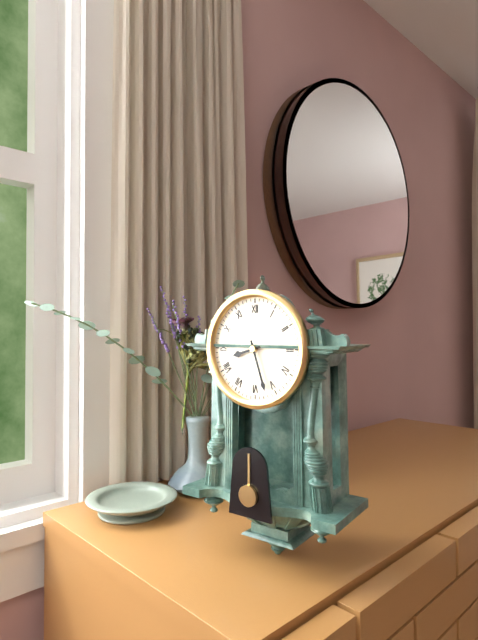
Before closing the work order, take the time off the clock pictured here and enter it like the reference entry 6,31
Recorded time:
8,27
